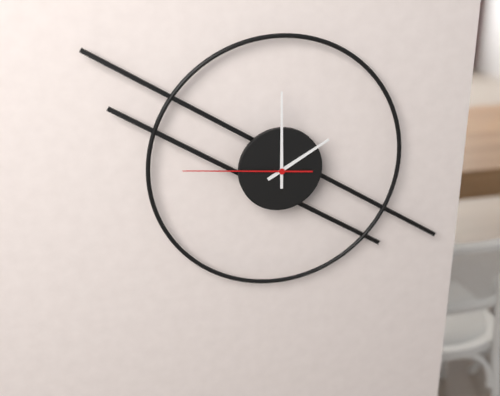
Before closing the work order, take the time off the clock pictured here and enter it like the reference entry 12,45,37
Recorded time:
2,00,46
